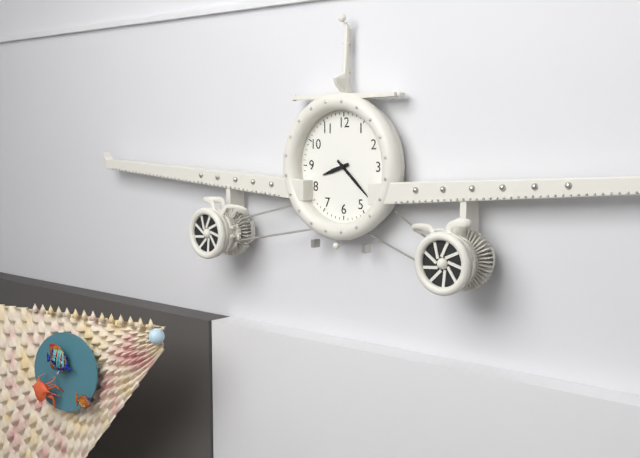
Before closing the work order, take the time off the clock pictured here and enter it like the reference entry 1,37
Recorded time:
8,22
